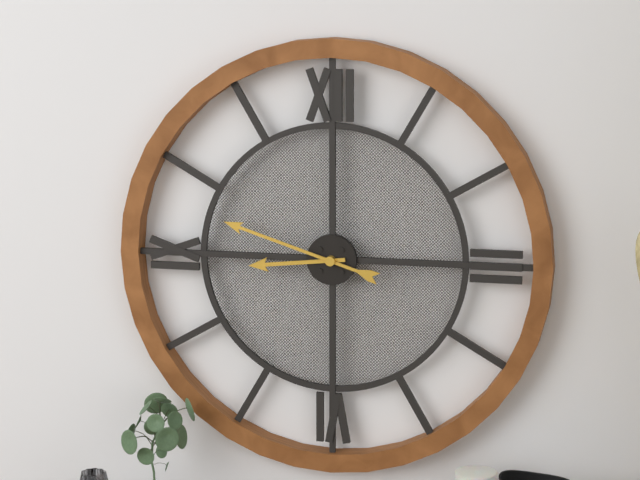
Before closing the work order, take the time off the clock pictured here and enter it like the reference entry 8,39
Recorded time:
8,48
